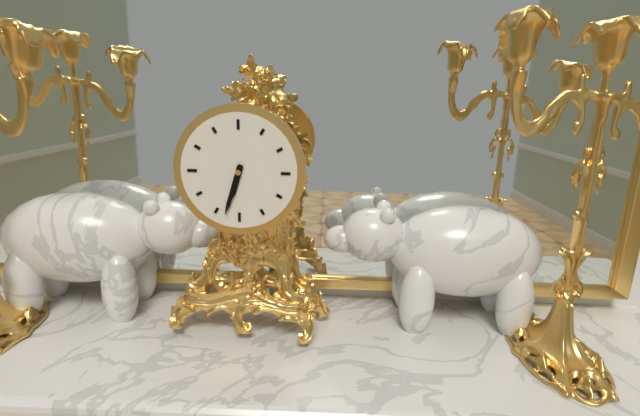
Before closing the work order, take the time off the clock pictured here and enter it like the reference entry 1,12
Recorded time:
6,33
